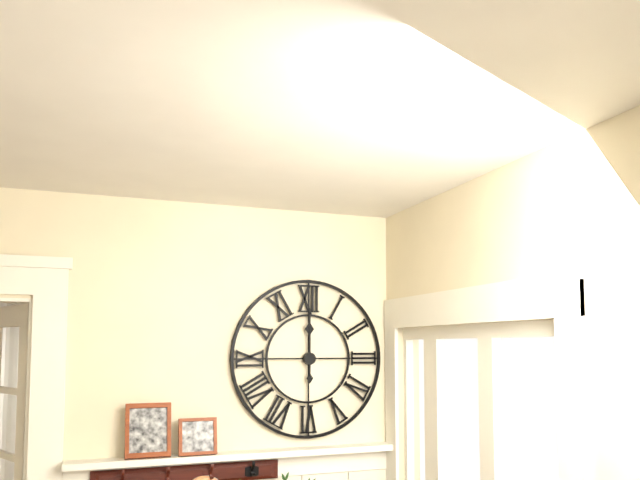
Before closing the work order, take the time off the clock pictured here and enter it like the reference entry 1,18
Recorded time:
12,00
